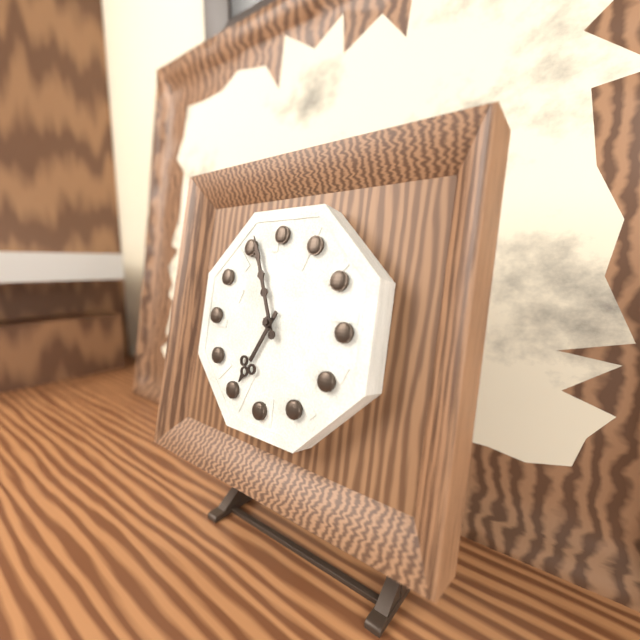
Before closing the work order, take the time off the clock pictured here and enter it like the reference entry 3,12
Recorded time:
6,56
